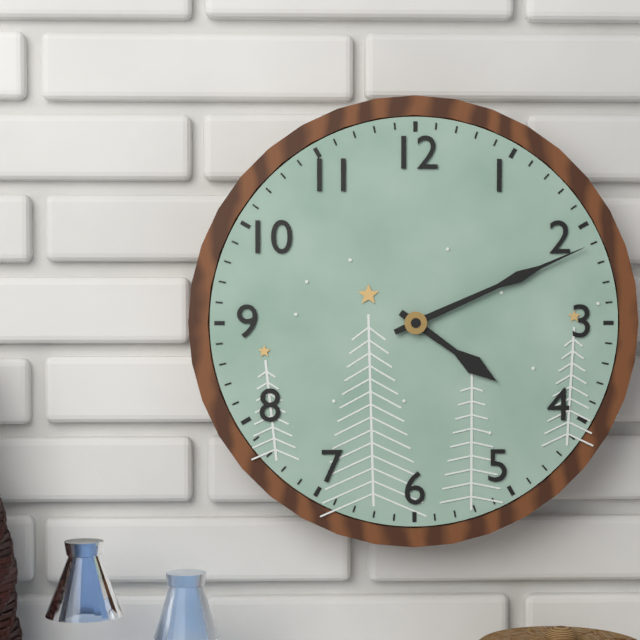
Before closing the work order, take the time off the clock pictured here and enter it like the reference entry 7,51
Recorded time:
4,11
